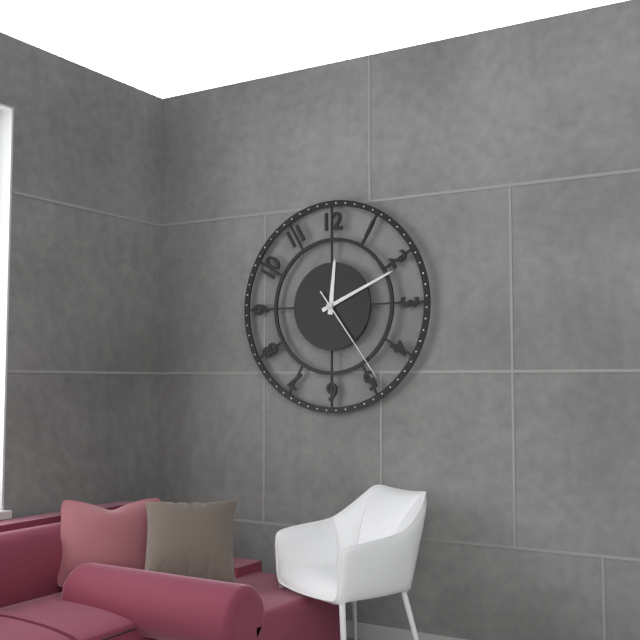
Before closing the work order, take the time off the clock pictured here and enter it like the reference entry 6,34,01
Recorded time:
12,11,24
